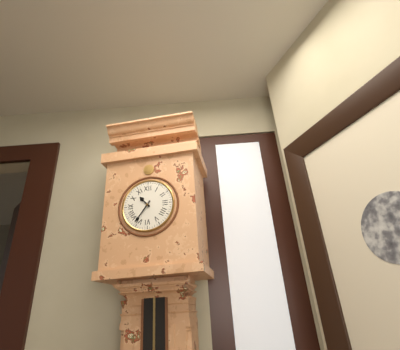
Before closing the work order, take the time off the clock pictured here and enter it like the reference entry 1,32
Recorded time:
10,36
